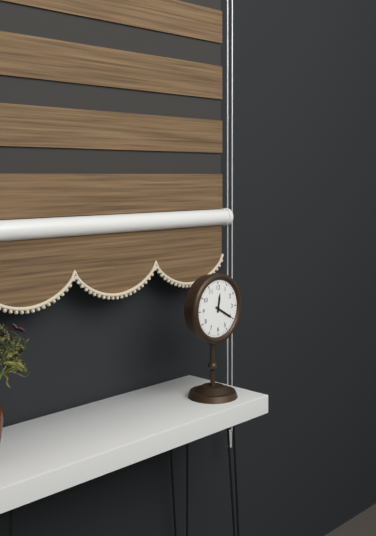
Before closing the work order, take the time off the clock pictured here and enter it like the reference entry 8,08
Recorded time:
12,20
